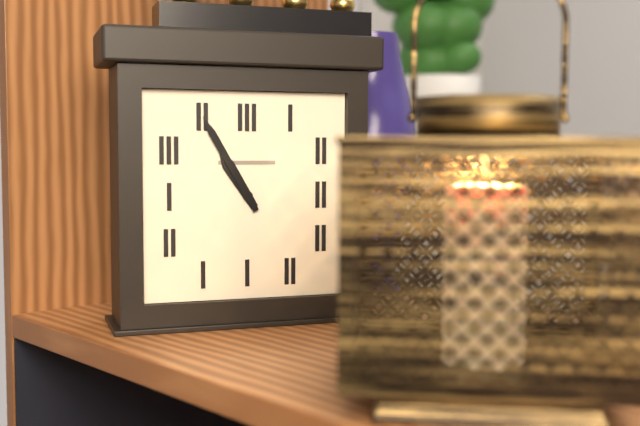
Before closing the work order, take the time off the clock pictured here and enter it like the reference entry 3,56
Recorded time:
10,55
